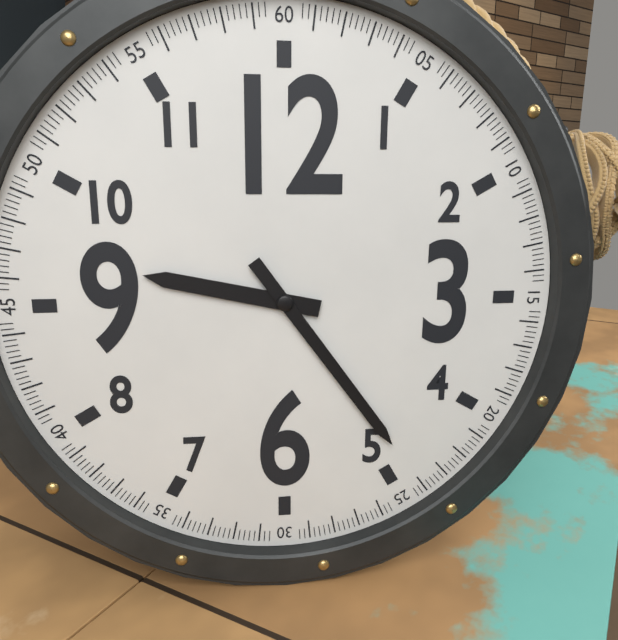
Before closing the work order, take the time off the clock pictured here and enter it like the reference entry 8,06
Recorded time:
9,24
